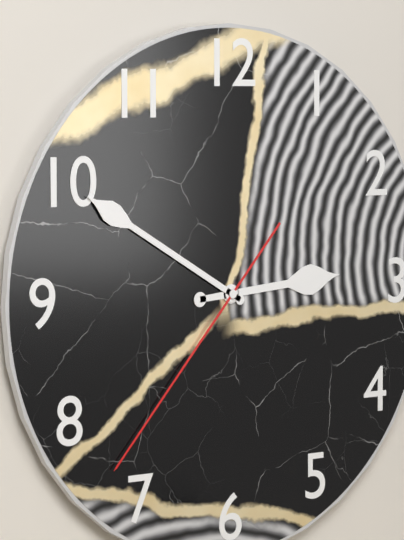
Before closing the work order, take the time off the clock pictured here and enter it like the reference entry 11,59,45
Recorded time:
2,50,37
